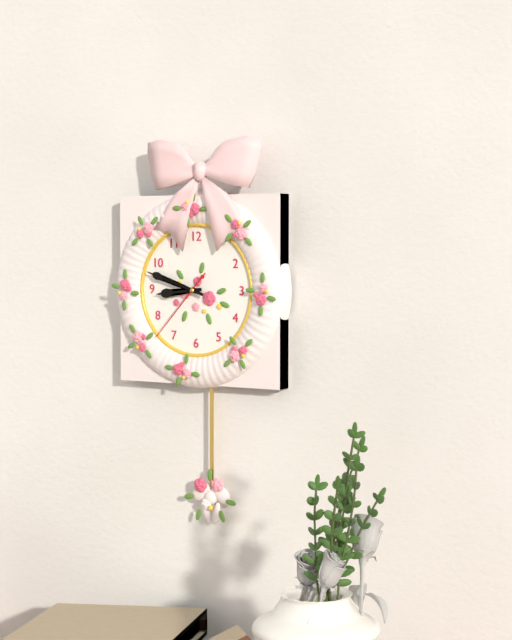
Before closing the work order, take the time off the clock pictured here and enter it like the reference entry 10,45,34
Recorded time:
8,48,37
